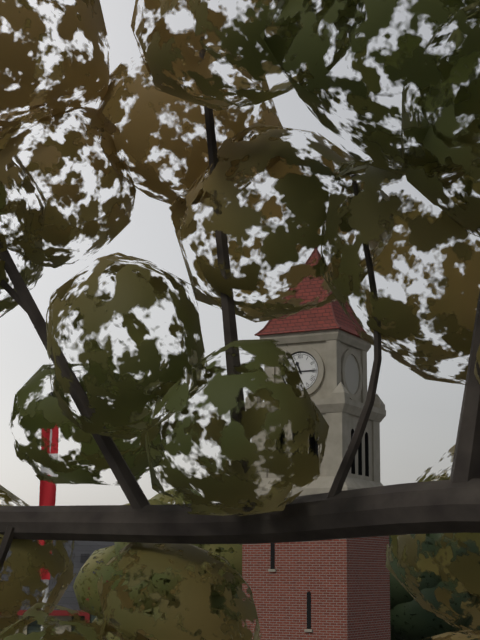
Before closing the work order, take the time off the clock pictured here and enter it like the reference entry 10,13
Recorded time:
11,15
